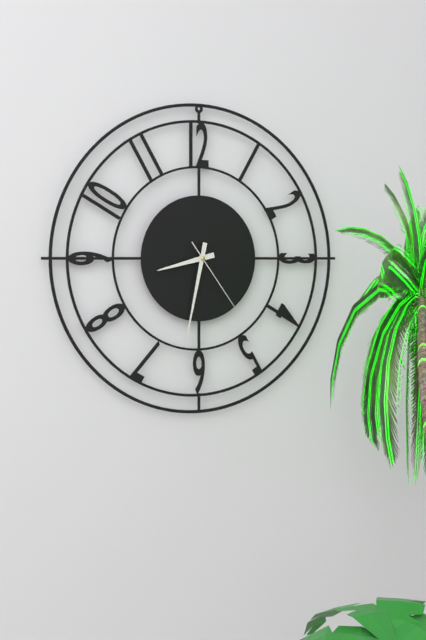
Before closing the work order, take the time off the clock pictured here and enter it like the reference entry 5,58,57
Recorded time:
8,32,24
